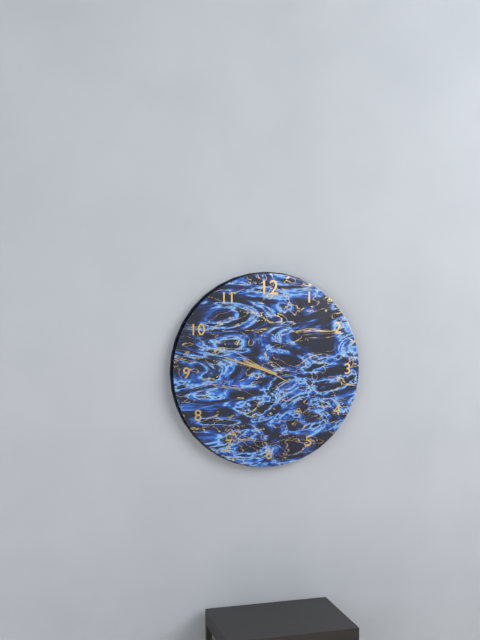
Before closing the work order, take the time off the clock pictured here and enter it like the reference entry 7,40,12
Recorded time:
9,48,50
